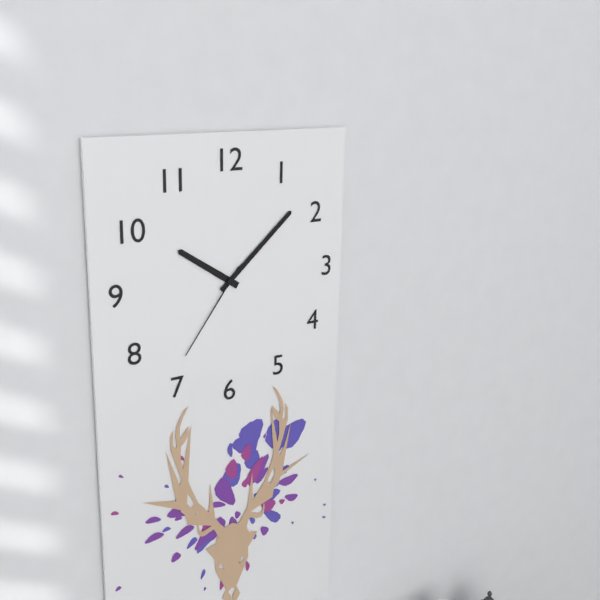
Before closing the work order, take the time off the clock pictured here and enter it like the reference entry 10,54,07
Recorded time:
10,08,36
